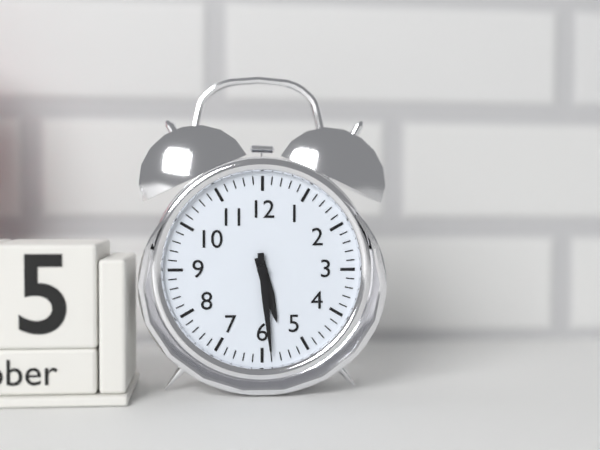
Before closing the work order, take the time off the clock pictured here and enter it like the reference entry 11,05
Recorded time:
5,29
